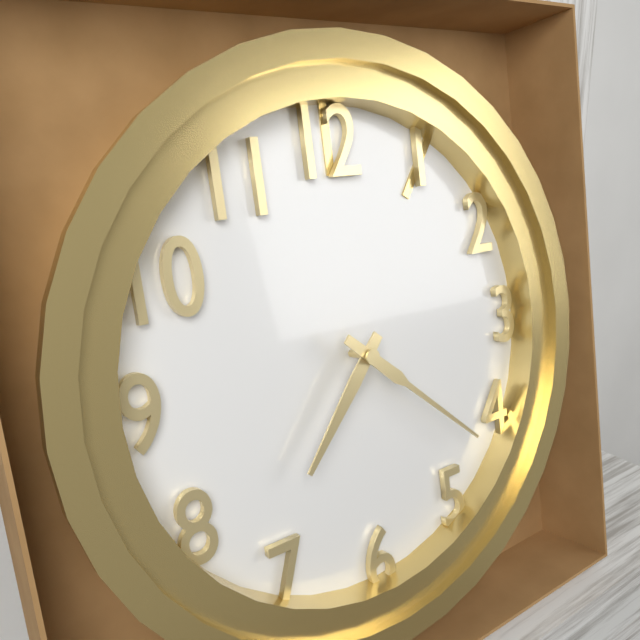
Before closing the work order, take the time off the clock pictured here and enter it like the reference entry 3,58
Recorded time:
7,22
